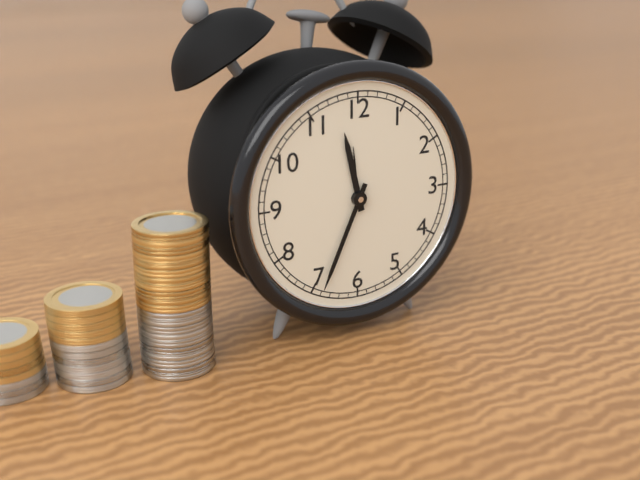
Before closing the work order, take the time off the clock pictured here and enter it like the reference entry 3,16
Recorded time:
11,34
